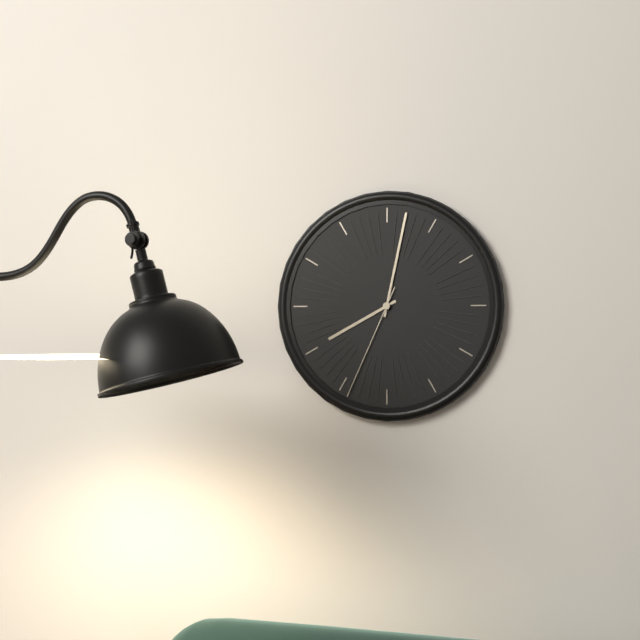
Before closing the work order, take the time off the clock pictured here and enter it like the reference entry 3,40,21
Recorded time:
8,02,34
